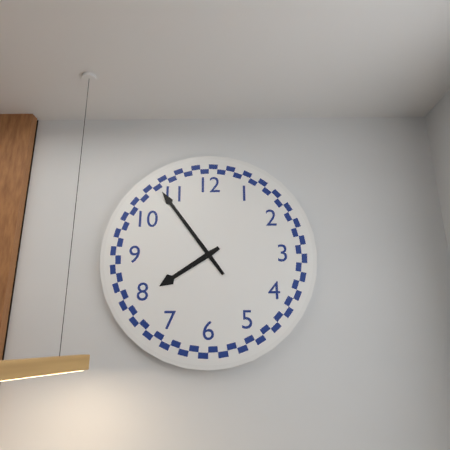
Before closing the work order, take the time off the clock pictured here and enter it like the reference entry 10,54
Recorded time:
7,54
